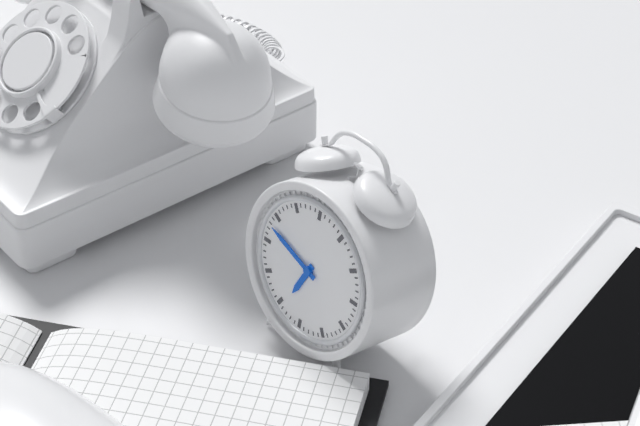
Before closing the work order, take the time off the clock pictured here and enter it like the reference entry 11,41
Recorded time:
6,48
